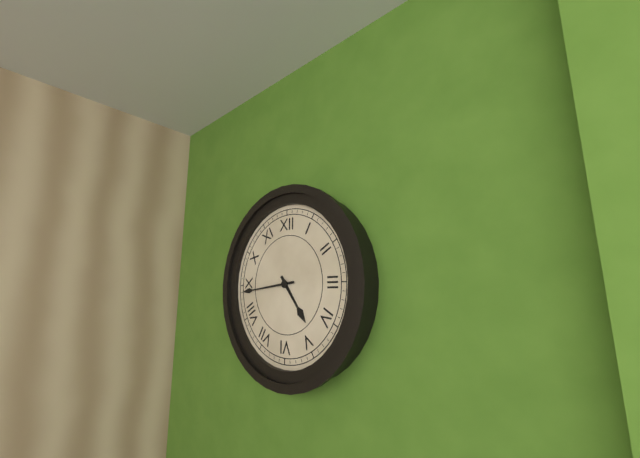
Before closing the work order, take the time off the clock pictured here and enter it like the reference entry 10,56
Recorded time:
4,44
